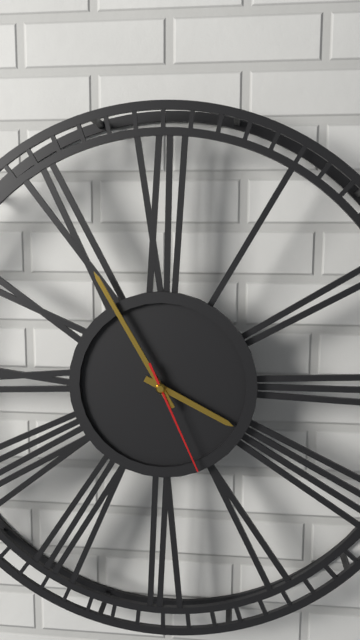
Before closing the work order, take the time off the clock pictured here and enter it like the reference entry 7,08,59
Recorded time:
3,55,26
